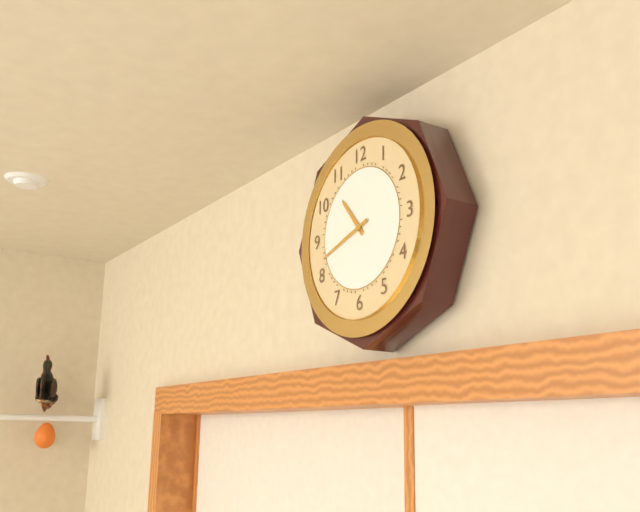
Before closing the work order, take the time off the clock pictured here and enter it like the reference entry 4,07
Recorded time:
10,42
